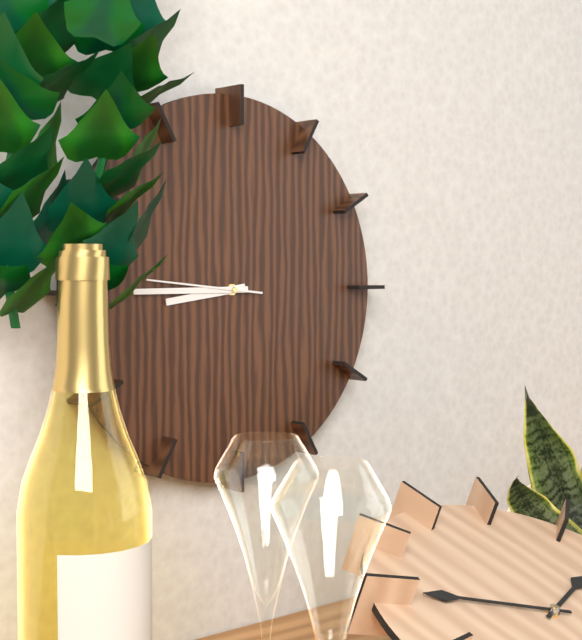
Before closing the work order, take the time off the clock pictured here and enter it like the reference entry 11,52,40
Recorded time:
8,45,46
